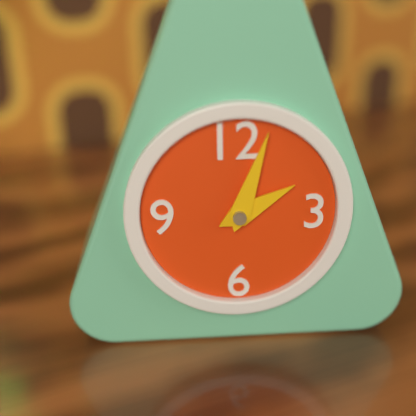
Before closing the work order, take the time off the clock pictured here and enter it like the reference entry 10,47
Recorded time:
2,03
